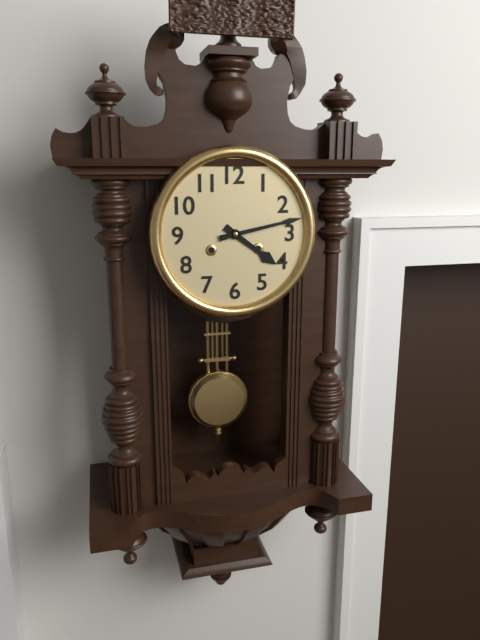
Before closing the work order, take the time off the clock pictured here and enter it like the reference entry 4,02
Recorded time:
4,13
